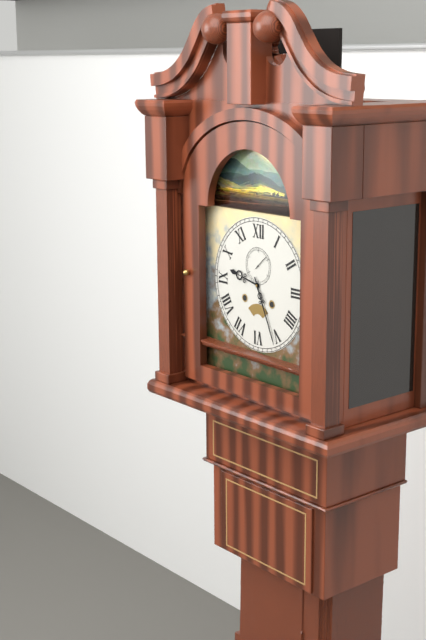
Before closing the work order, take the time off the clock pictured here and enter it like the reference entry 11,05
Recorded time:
9,26
